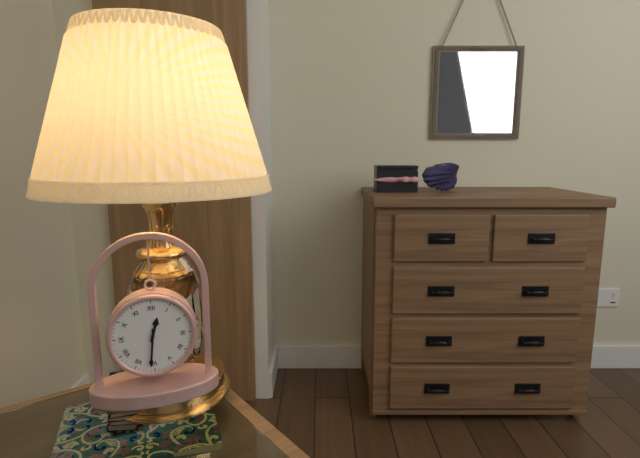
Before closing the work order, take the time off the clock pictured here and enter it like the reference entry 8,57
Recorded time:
12,31
